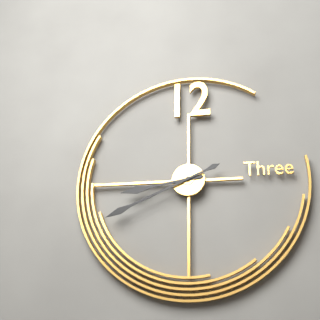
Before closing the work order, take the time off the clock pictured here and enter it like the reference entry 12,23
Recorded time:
8,41
